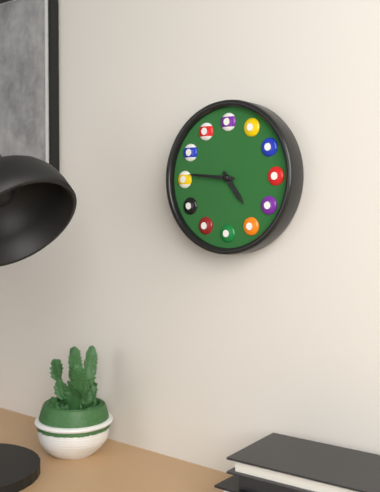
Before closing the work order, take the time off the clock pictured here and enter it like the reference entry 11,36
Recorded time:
4,46
